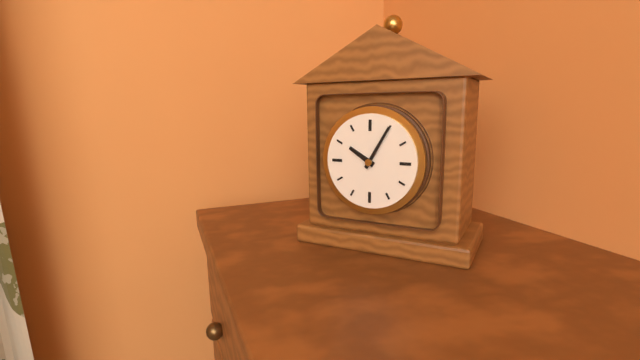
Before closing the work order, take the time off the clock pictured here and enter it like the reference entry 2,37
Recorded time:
10,05
